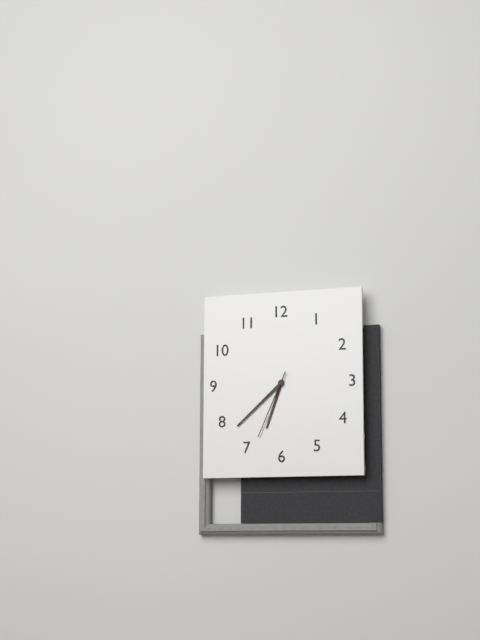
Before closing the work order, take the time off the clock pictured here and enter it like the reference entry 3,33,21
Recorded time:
6,38,34
